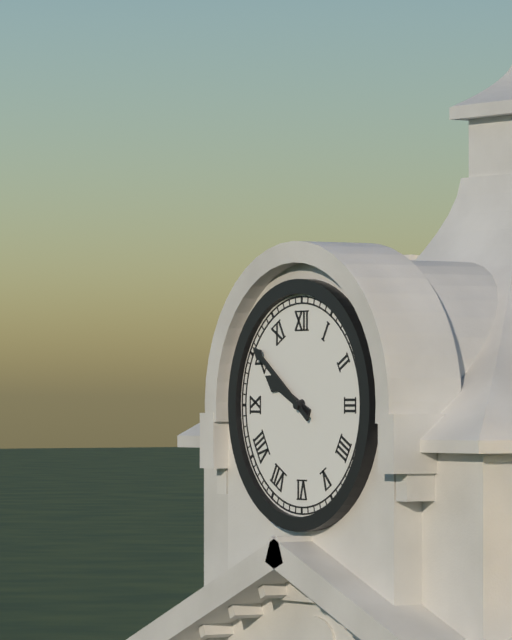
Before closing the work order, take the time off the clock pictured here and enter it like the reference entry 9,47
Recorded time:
9,51
